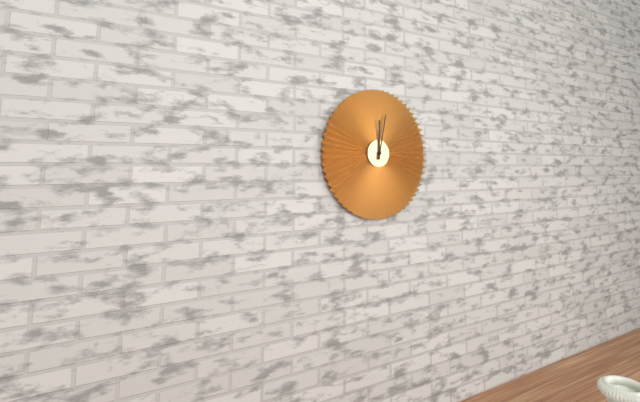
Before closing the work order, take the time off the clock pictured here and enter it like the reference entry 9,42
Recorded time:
12,02
